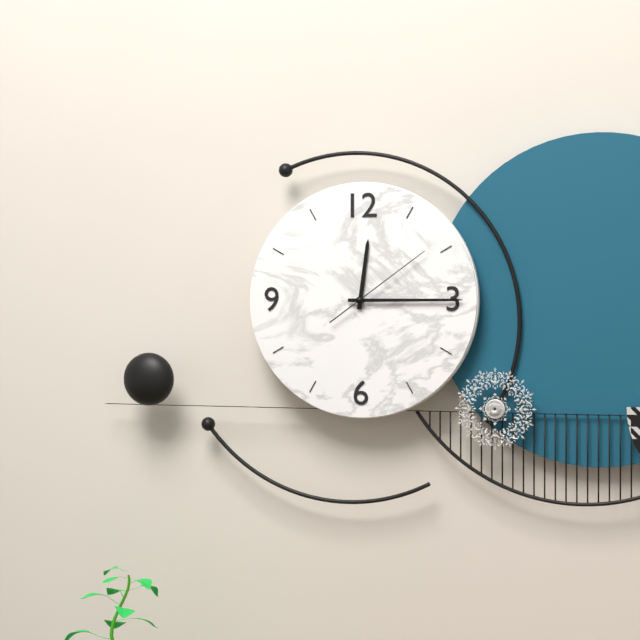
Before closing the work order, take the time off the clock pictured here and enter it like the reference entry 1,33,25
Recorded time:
12,15,09
